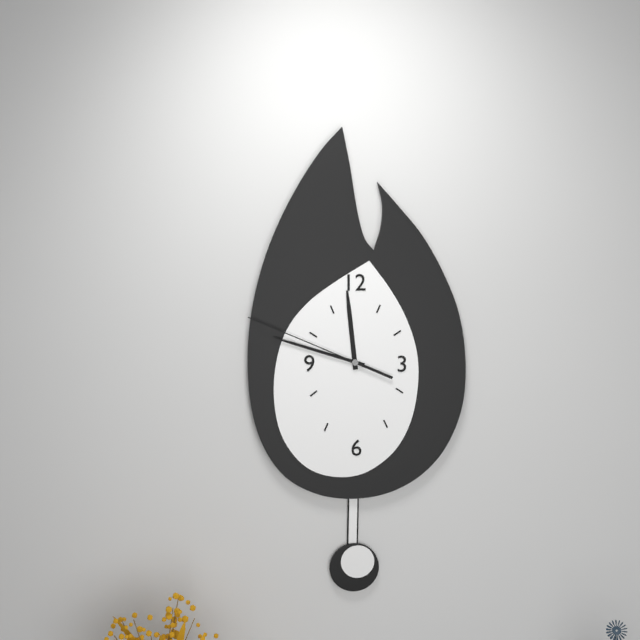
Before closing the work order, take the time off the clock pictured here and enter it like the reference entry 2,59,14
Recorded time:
11,48,49
